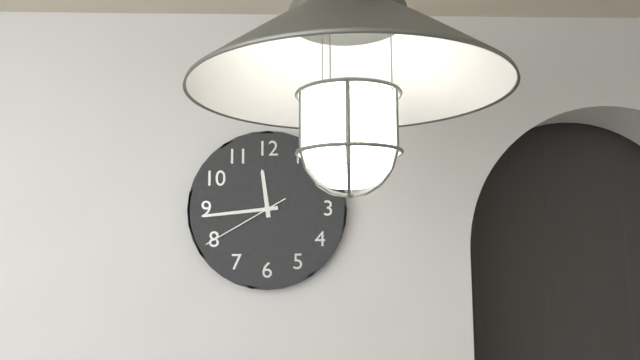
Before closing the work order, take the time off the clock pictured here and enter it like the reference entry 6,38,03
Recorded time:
11,44,40
